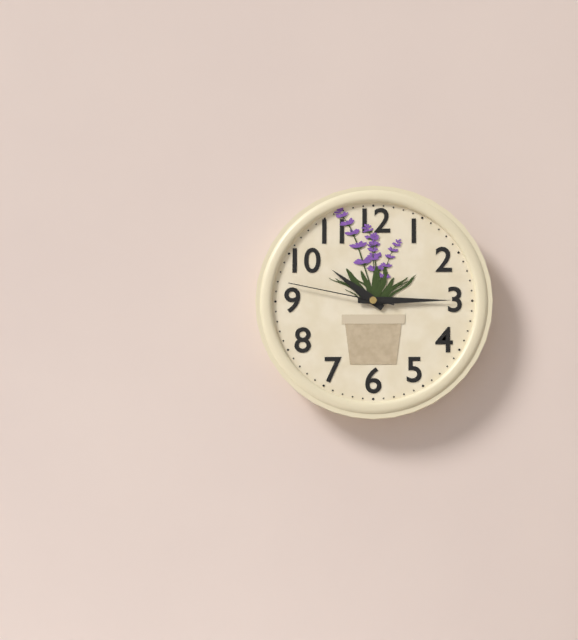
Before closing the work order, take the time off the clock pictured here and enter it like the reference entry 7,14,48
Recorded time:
10,15,47
